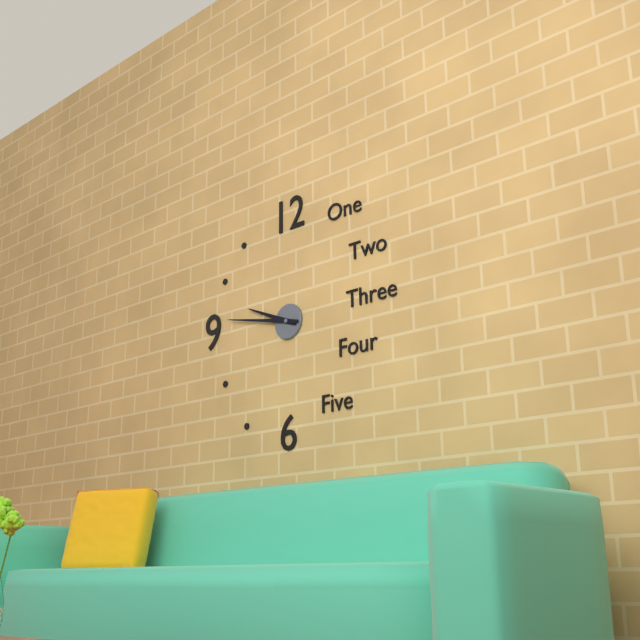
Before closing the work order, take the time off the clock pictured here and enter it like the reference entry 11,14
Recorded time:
9,47
